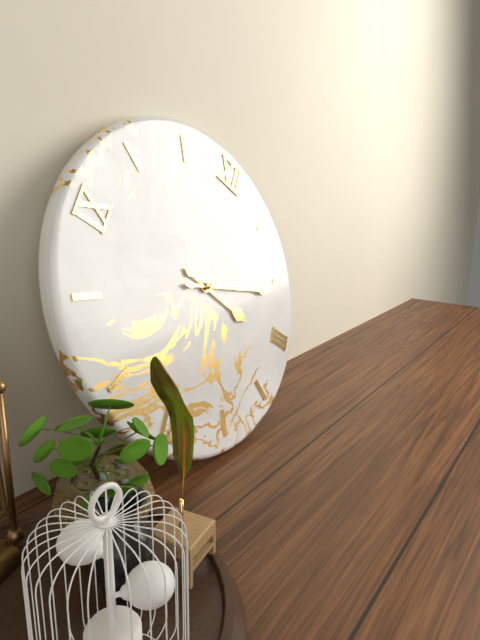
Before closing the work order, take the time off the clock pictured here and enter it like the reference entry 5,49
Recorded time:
3,11
